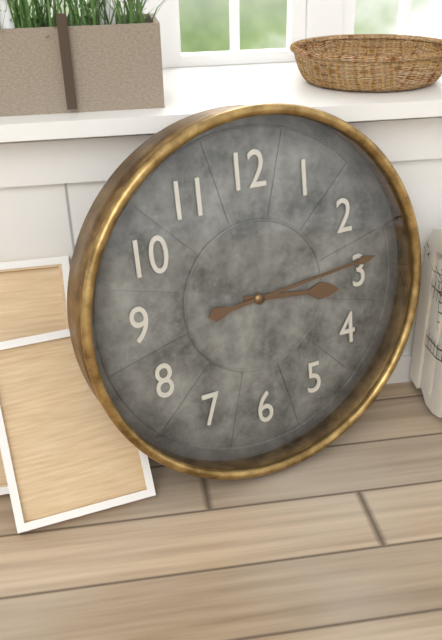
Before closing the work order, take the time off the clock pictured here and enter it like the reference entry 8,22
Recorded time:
3,14
